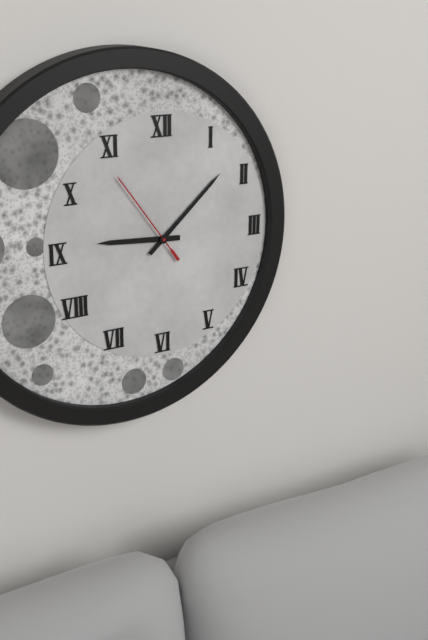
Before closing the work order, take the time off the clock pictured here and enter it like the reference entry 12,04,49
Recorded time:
9,08,54
